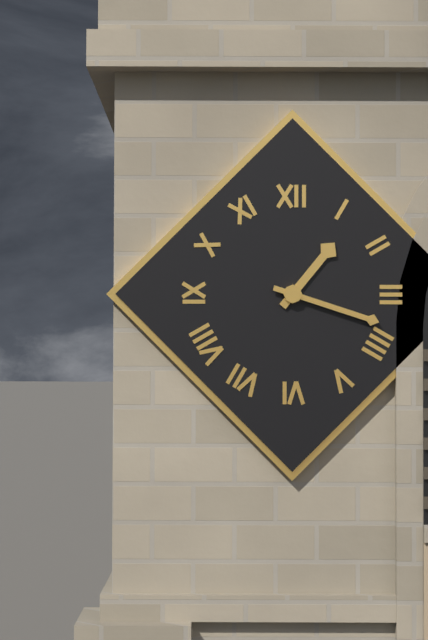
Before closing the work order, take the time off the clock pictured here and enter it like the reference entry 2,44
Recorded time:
1,18
